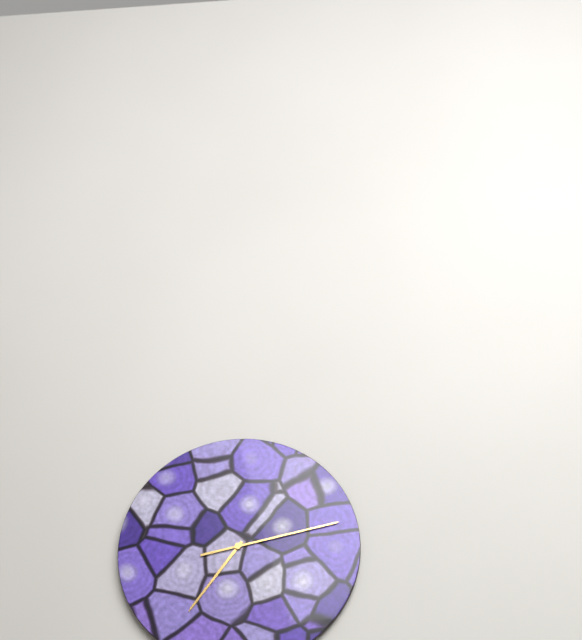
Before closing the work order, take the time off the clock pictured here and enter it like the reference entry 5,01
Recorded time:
7,13
